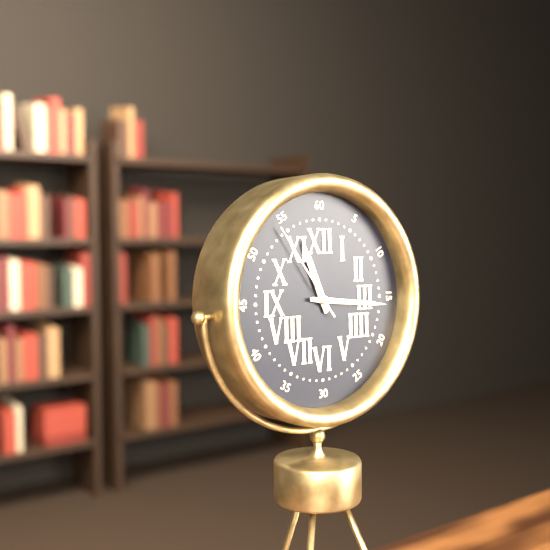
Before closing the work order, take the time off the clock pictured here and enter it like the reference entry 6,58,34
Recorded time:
11,16,54
